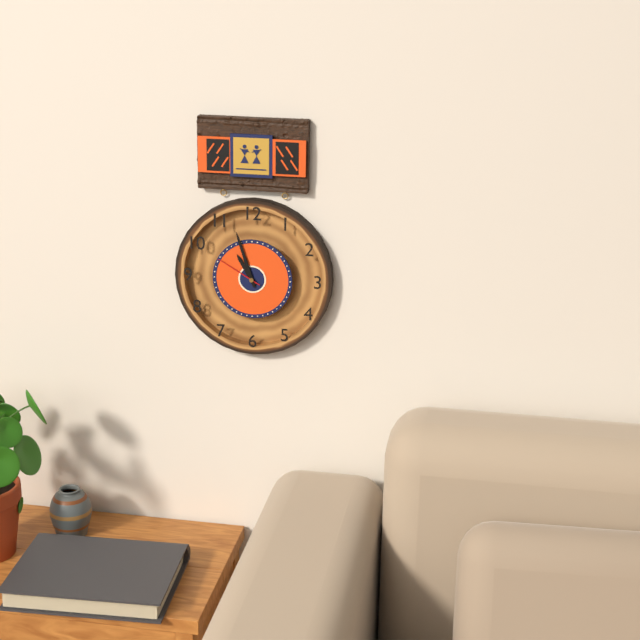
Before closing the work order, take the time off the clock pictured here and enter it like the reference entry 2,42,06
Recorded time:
10,57,50
